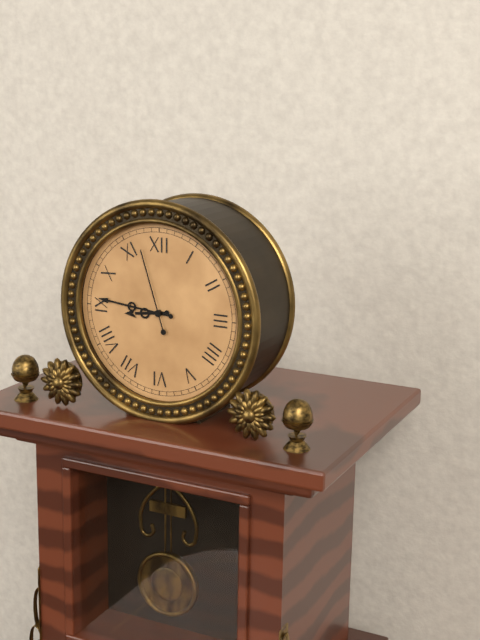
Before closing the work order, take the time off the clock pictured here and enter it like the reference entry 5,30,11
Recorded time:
8,46,57
